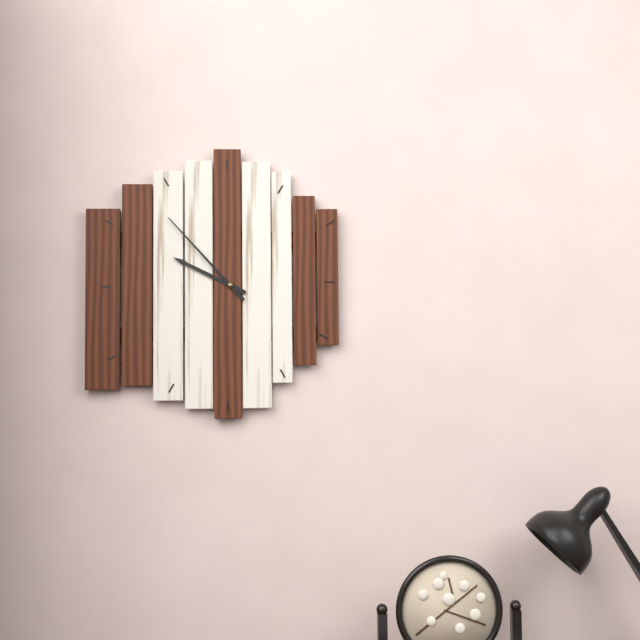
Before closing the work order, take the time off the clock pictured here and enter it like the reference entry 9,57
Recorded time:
9,53
